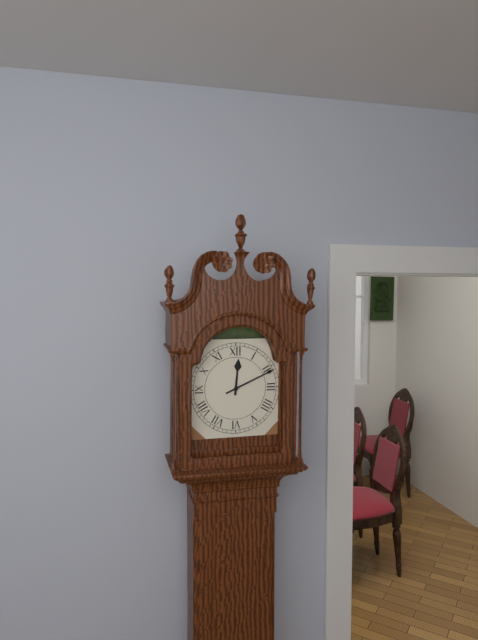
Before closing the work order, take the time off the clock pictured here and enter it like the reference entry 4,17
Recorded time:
12,11
